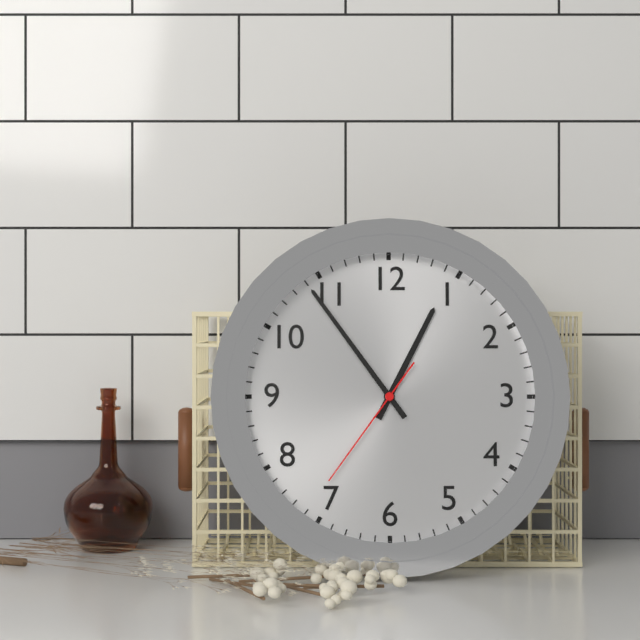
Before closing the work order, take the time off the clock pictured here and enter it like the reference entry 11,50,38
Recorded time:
12,54,36
